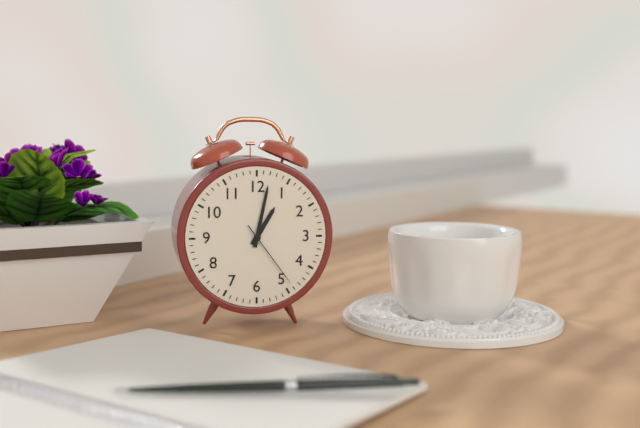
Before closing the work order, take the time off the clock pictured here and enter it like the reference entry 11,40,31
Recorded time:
1,02,24
